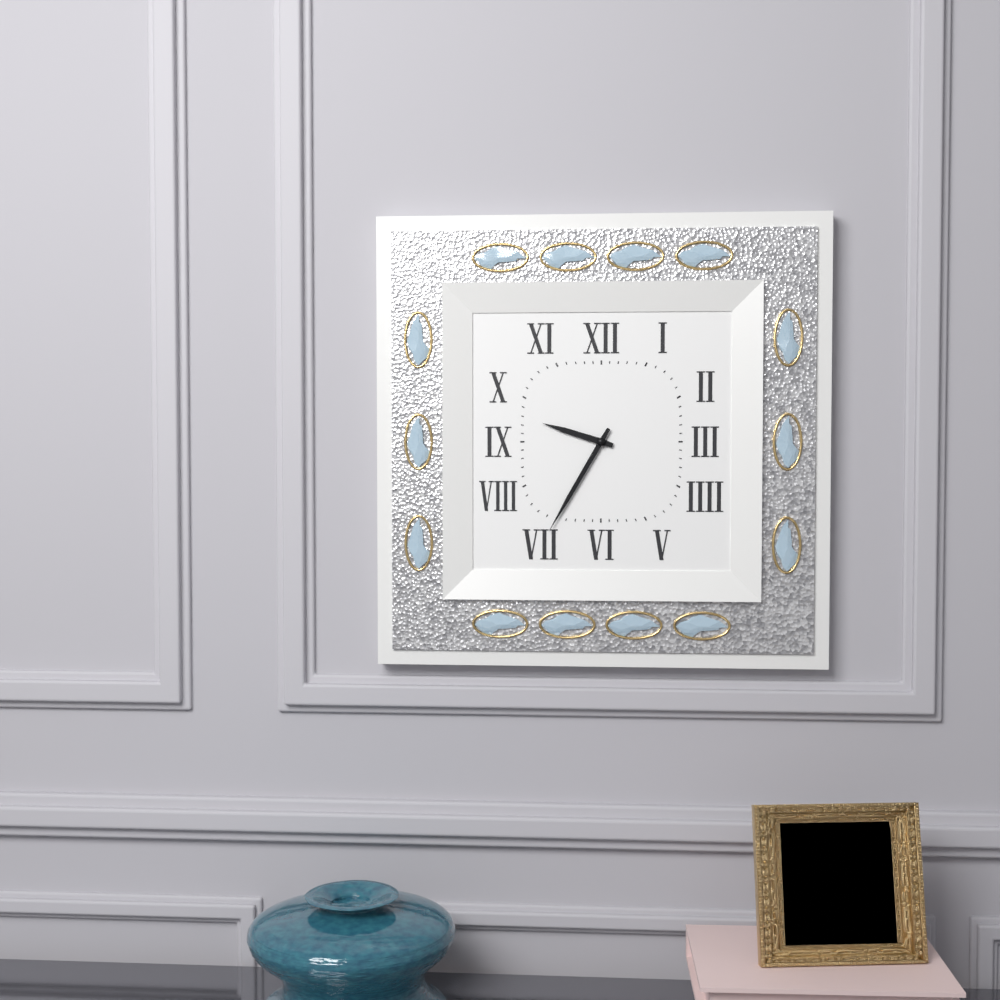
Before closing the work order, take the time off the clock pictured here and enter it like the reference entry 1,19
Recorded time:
9,35
